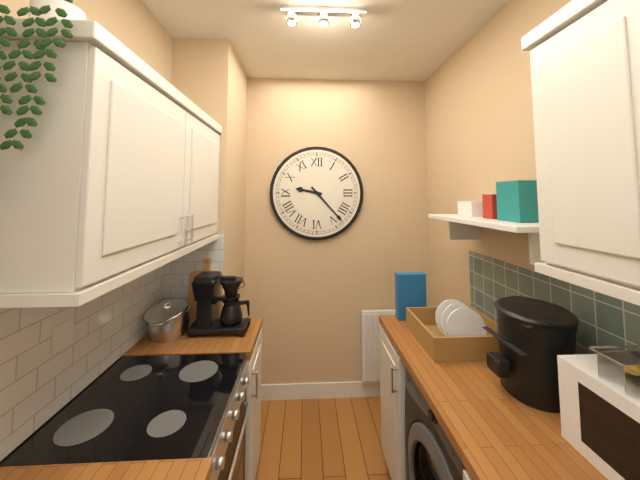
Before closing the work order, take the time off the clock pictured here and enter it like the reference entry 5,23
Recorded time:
9,23
